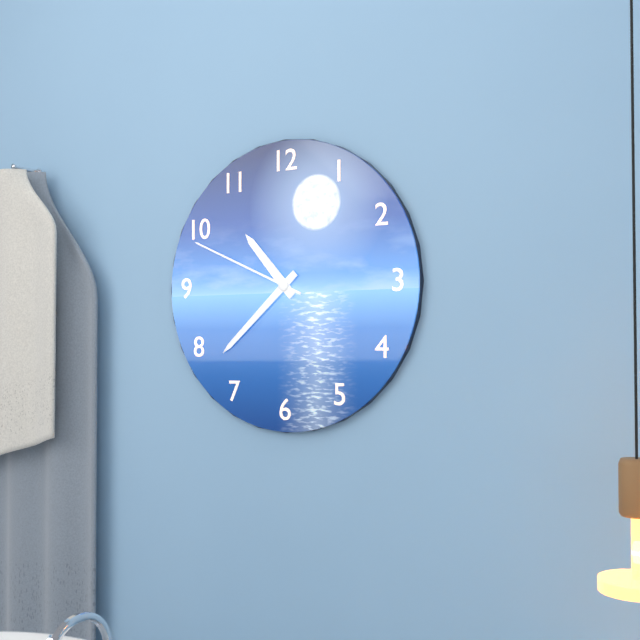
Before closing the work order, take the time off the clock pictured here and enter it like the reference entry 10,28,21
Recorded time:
10,38,49
